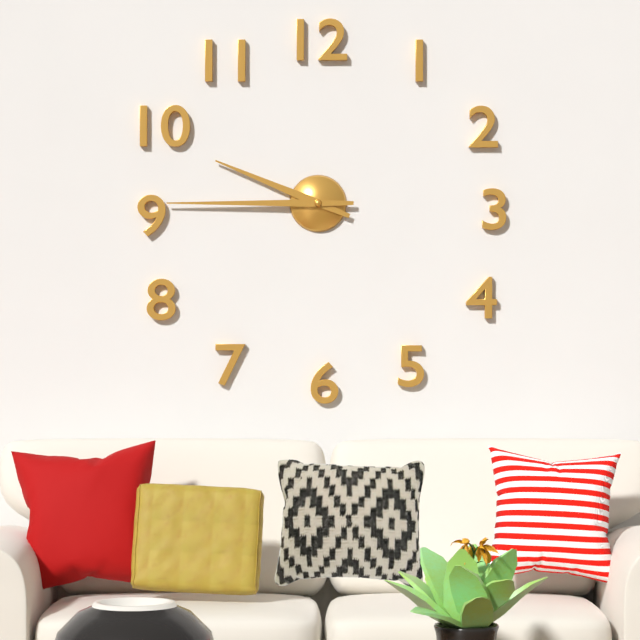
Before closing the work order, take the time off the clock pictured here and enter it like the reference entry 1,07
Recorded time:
9,45
